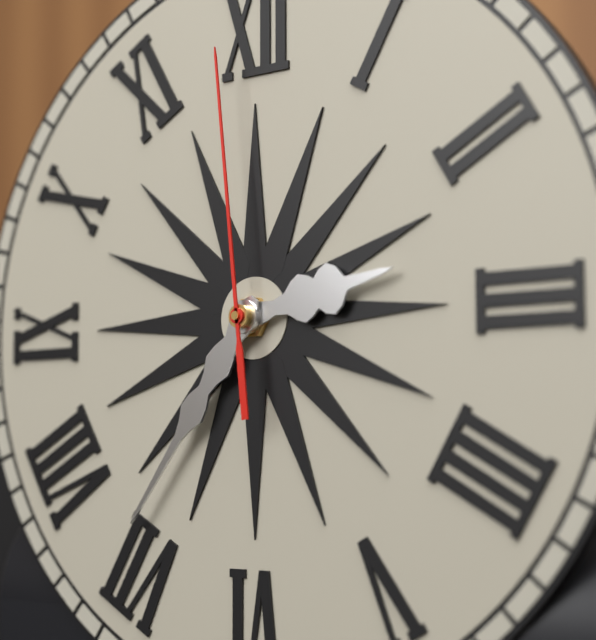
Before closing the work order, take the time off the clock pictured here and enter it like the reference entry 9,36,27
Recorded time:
2,36,59
